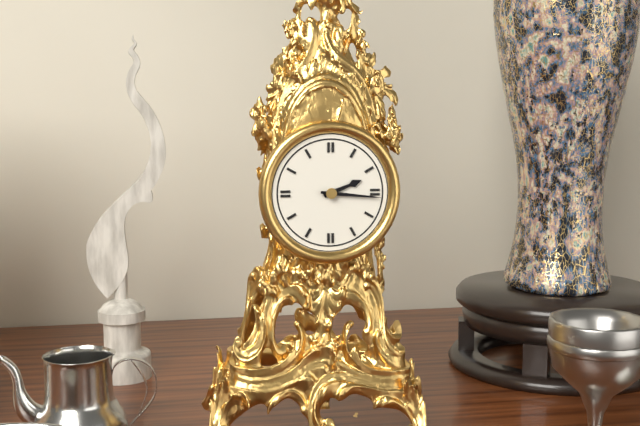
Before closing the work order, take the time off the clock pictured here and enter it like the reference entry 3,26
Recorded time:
2,16
